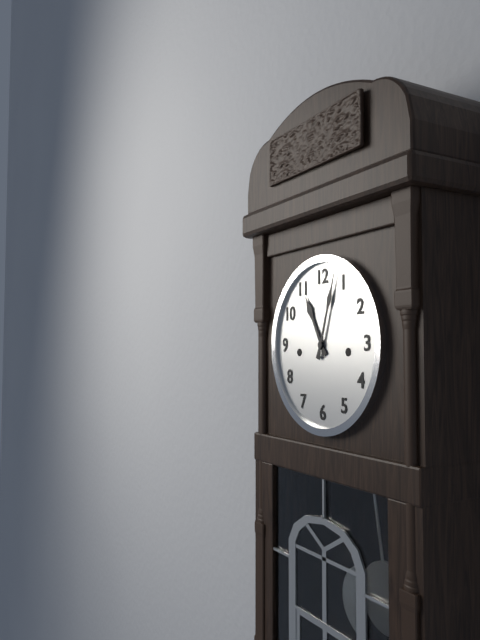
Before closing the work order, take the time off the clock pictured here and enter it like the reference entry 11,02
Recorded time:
11,03
